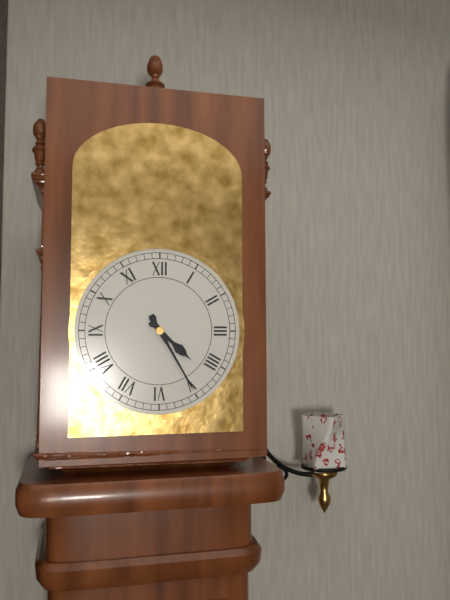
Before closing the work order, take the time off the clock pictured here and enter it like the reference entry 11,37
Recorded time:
4,25
